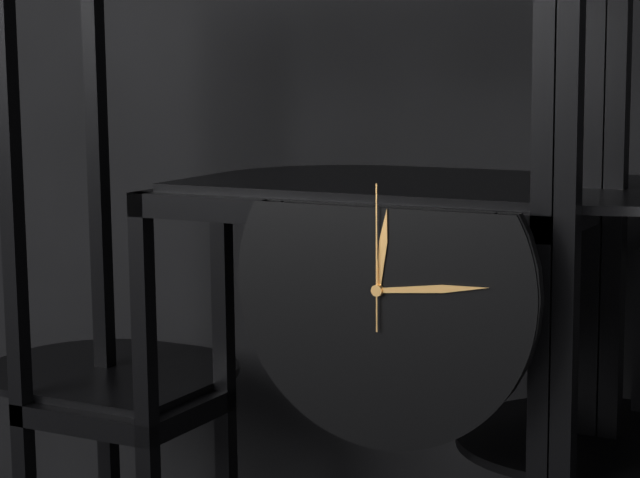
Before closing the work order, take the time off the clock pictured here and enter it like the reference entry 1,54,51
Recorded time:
12,14,00
